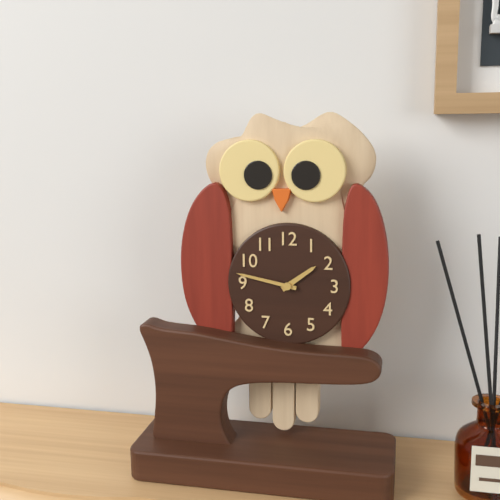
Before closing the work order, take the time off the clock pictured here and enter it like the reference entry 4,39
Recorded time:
1,47
